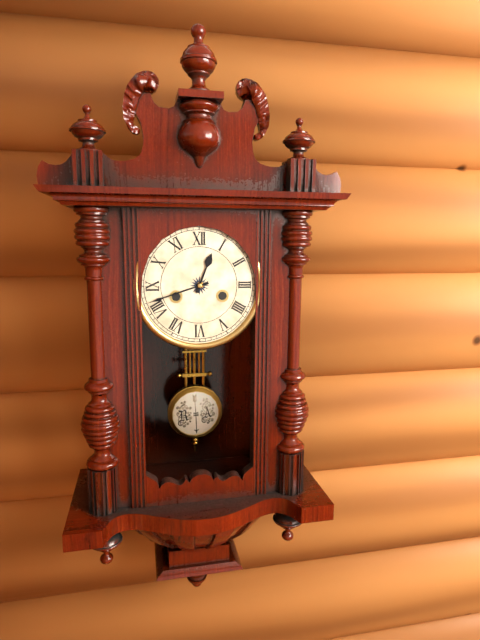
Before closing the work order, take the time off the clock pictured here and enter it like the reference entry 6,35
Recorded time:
12,42
